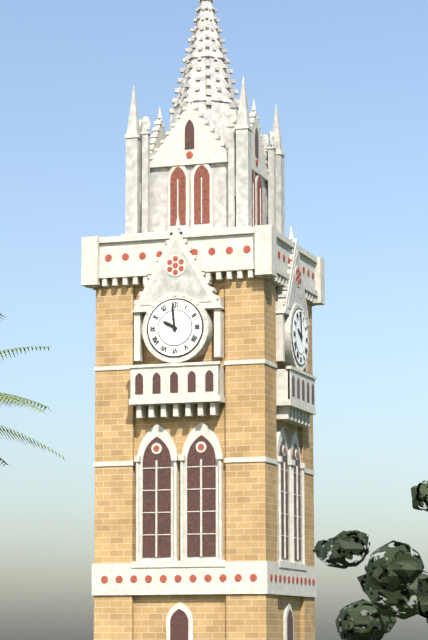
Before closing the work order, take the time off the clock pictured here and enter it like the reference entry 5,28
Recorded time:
9,59
